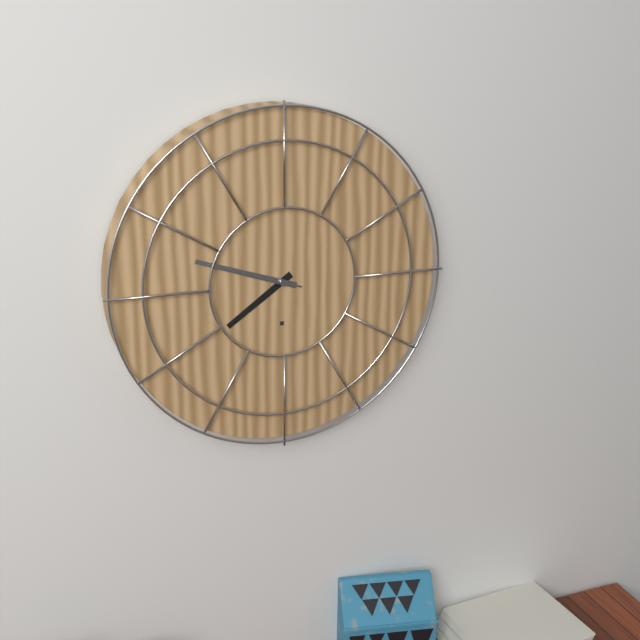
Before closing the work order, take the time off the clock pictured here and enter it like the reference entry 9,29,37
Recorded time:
7,48,48
